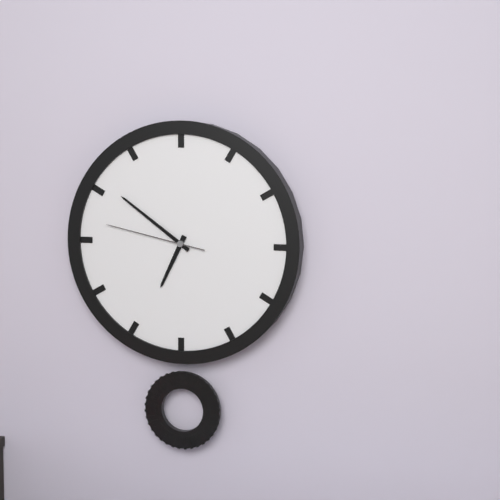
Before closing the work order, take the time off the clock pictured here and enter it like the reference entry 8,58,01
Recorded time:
6,51,47
